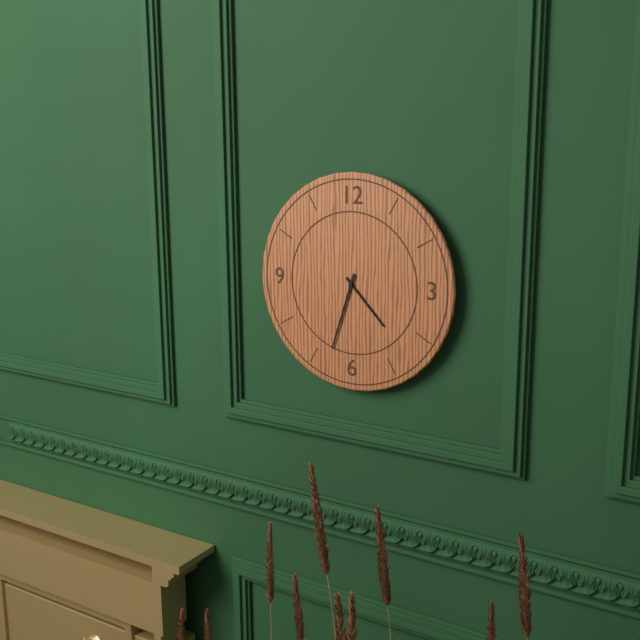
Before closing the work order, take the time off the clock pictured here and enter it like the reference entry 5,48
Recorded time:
4,33
